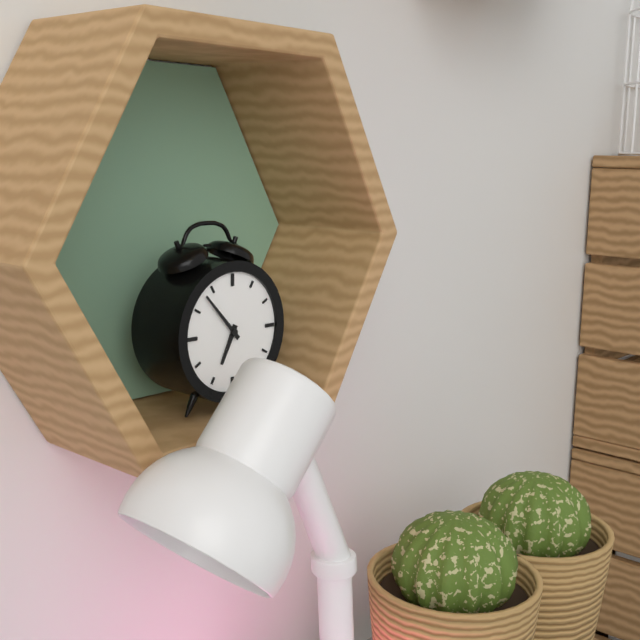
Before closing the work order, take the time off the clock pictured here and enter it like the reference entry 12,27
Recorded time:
6,53
